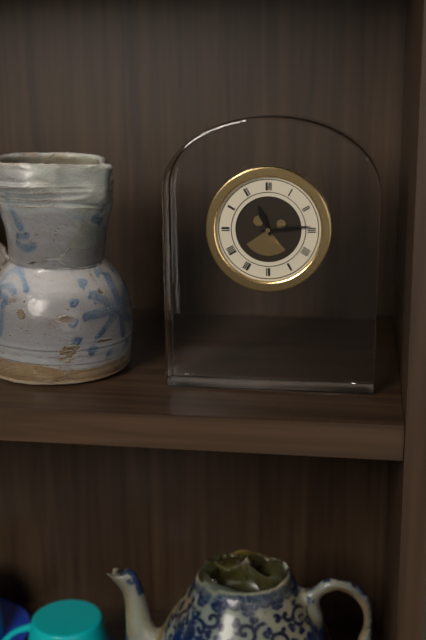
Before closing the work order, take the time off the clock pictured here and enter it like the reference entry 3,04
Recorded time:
11,14
